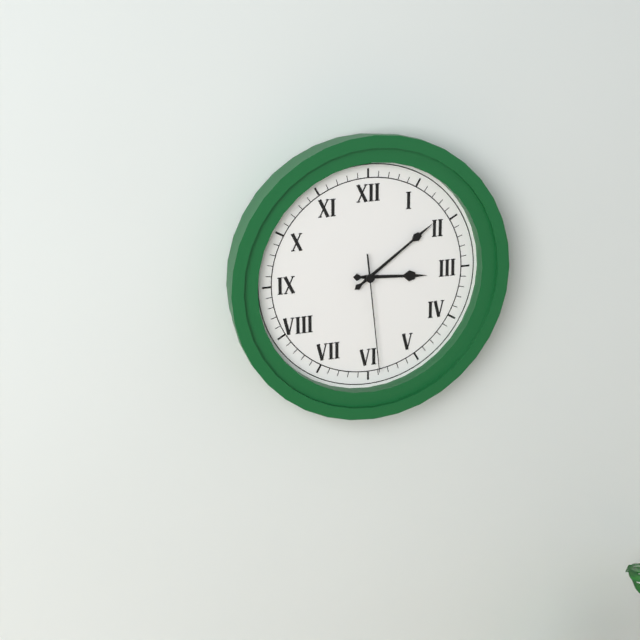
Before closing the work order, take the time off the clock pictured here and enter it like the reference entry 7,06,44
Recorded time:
3,09,29
